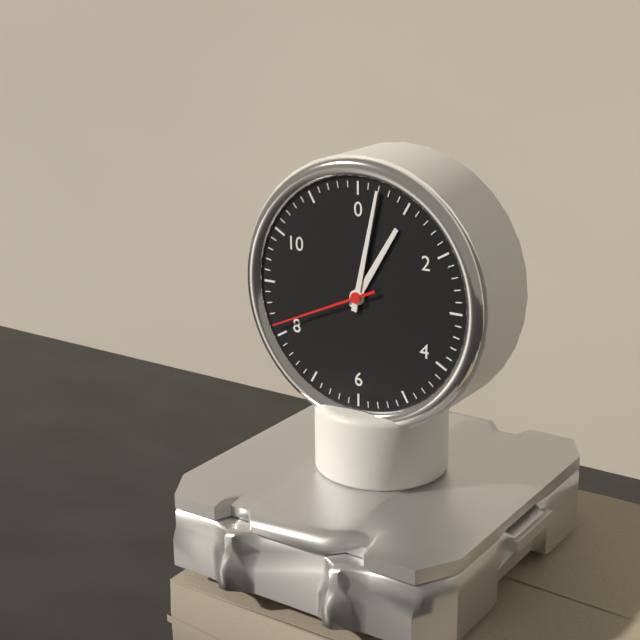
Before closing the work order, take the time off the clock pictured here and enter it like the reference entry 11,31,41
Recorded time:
1,02,41
